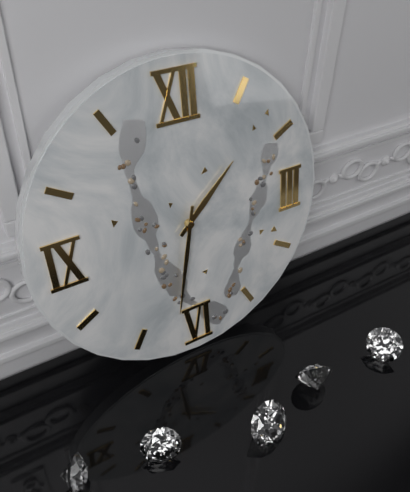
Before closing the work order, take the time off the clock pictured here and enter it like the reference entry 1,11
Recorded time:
1,32
